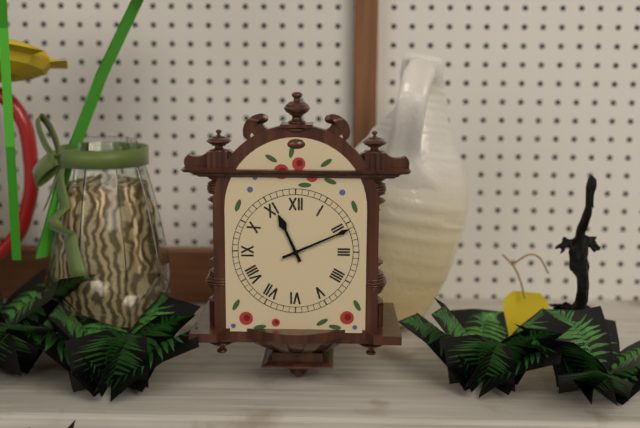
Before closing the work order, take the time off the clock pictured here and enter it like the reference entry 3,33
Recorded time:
11,11
